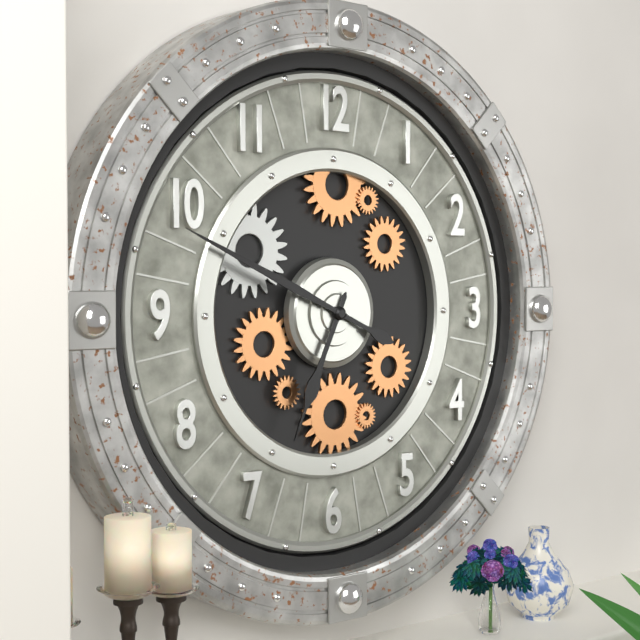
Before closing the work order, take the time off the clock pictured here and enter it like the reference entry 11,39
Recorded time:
6,49
